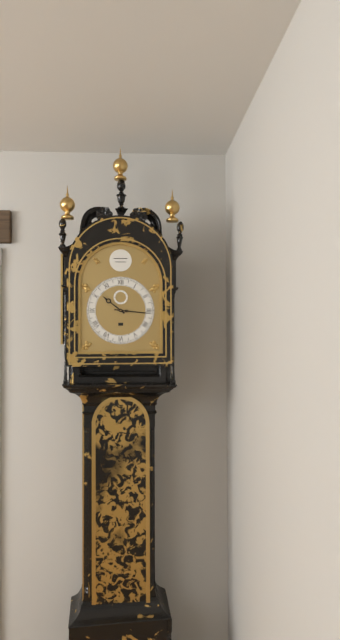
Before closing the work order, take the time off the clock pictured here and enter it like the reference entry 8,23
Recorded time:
10,16
